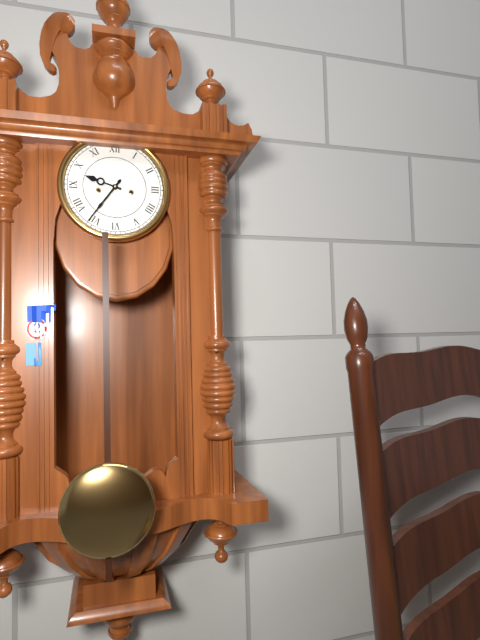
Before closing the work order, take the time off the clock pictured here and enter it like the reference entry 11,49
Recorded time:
9,36
